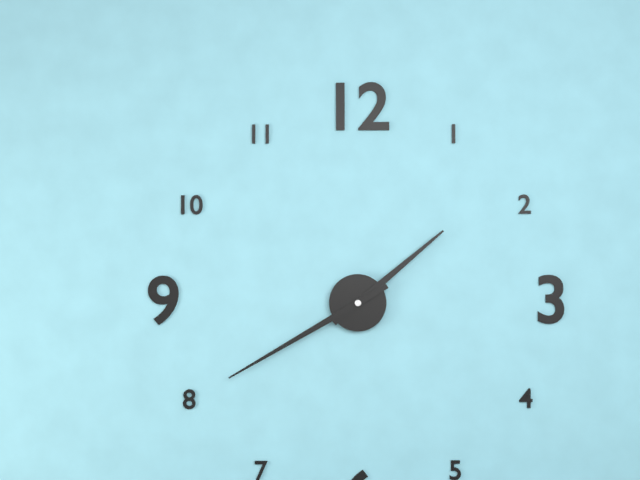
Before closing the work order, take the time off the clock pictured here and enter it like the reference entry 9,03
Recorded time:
1,40
